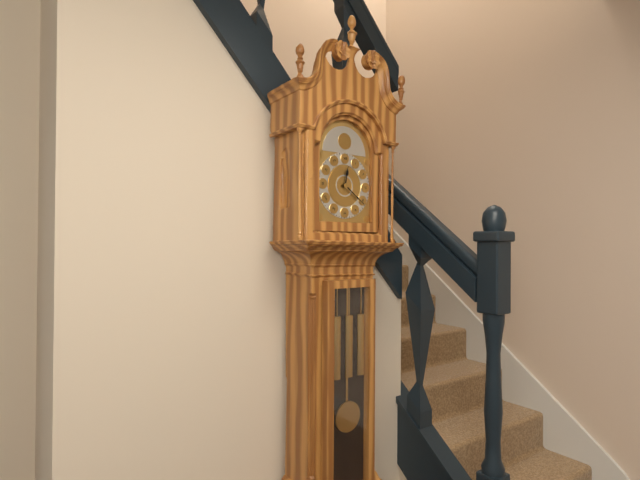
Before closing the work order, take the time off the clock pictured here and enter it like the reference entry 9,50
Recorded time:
12,21
